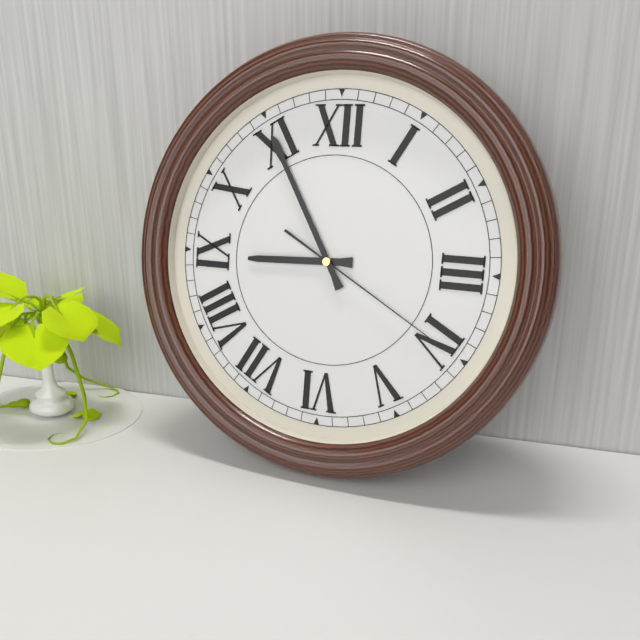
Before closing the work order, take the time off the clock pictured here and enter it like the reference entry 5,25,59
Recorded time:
8,55,20
